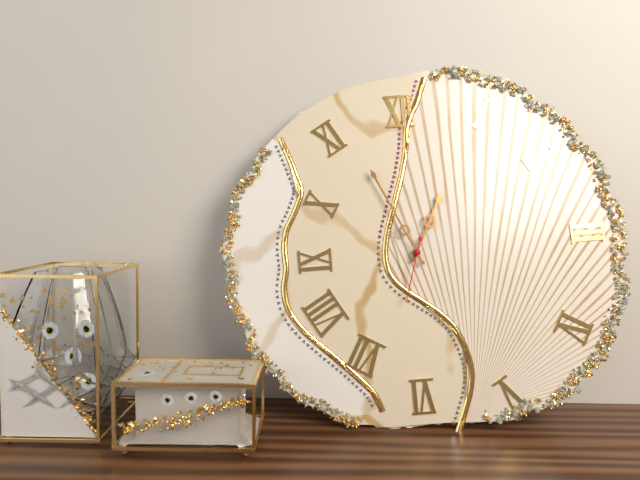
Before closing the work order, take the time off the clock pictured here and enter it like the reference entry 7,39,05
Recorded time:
12,56,33
